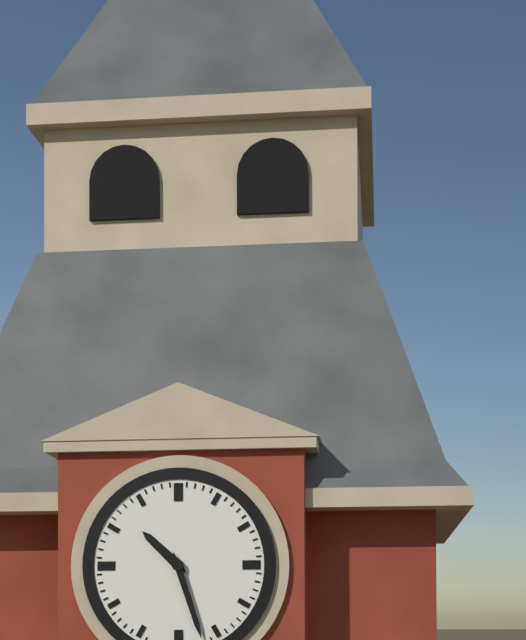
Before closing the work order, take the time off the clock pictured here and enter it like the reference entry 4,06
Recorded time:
10,27
